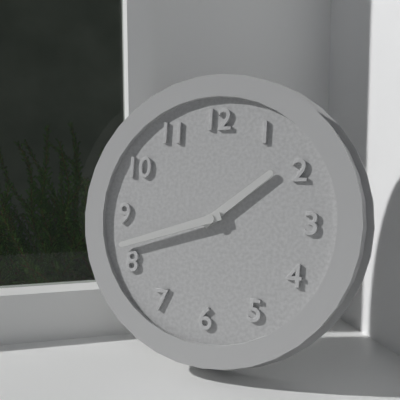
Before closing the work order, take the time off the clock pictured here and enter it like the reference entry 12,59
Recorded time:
1,42
